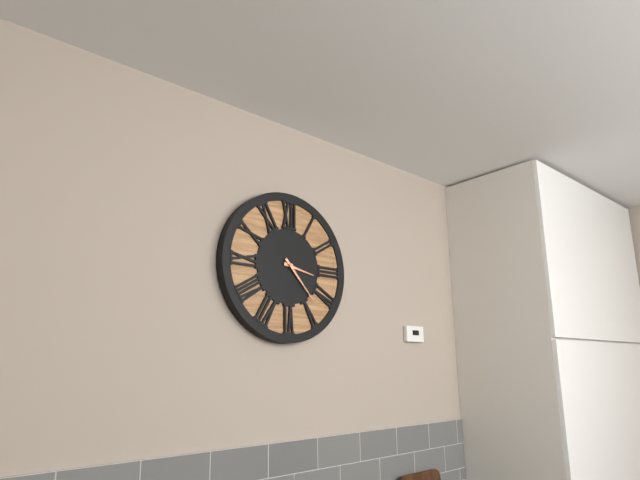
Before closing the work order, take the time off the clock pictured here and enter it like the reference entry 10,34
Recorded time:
3,23
